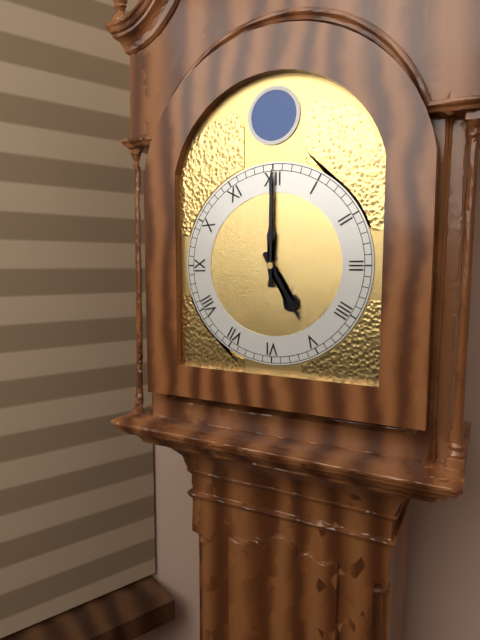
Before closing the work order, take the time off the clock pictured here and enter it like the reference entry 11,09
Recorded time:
5,00
